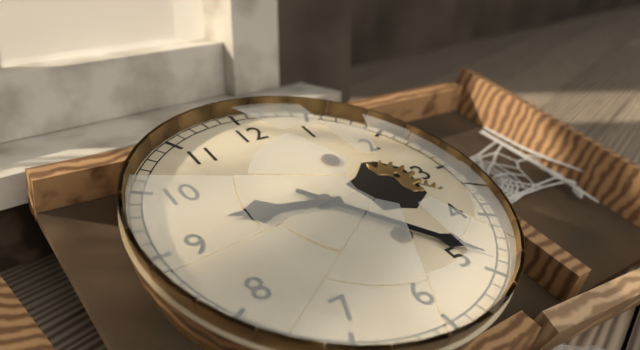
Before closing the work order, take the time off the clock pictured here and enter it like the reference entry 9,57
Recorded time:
9,24
